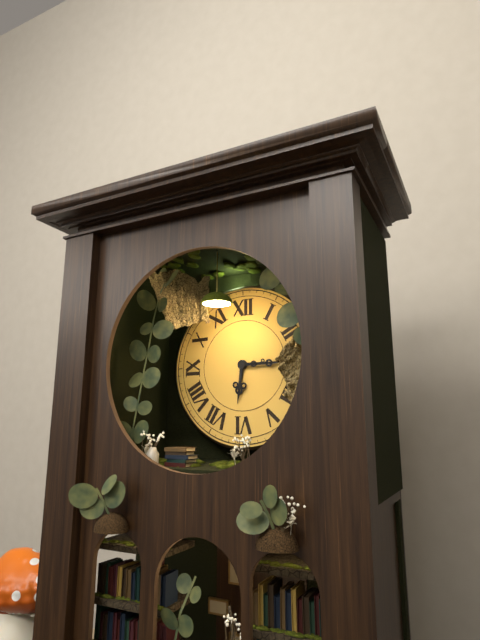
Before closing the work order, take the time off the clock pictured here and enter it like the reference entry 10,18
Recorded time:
6,15
